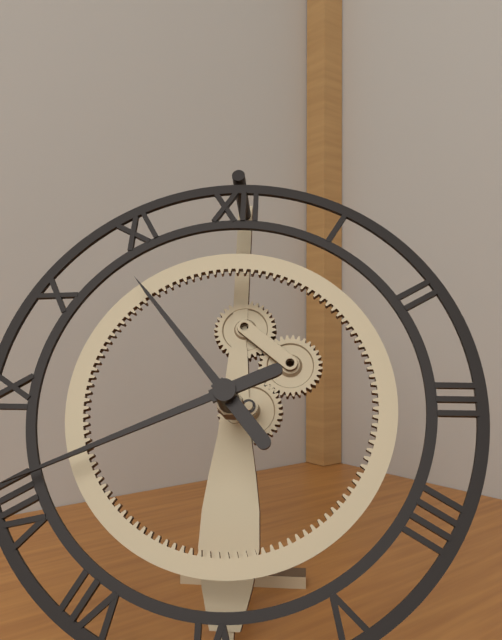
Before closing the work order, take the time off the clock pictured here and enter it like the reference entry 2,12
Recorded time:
10,41
